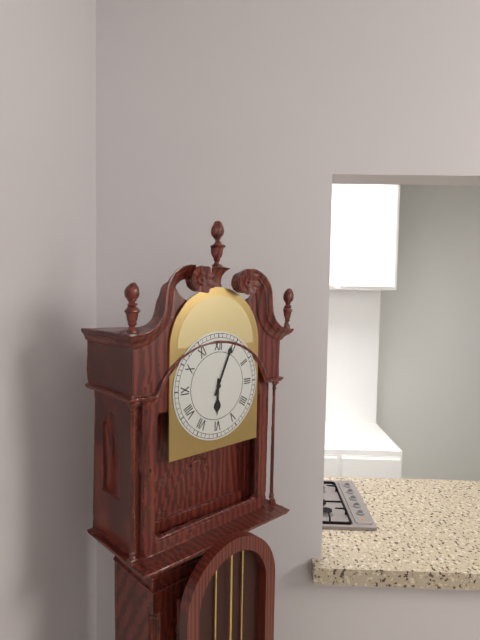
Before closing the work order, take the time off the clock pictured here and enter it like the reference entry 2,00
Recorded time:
6,04
